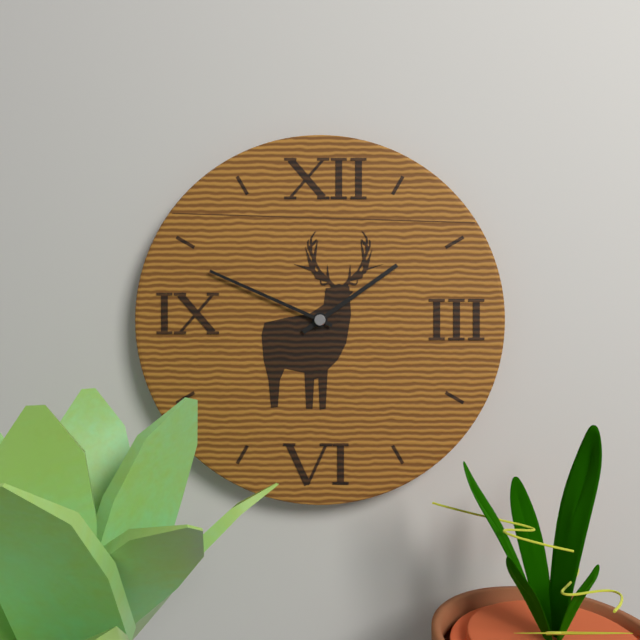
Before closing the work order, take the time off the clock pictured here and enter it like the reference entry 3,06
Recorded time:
1,49
